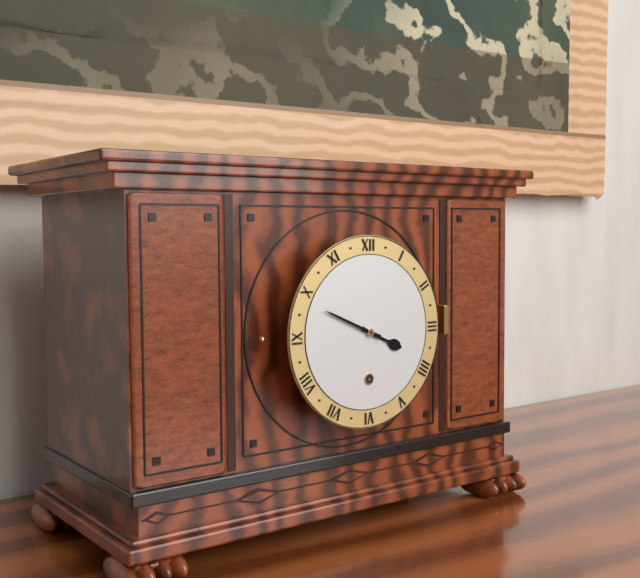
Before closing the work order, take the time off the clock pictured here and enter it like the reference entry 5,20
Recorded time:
3,49
